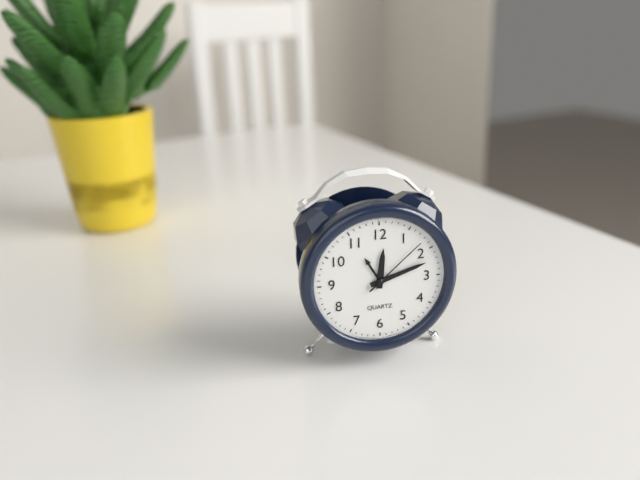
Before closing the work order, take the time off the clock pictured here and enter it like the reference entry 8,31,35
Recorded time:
12,12,08
